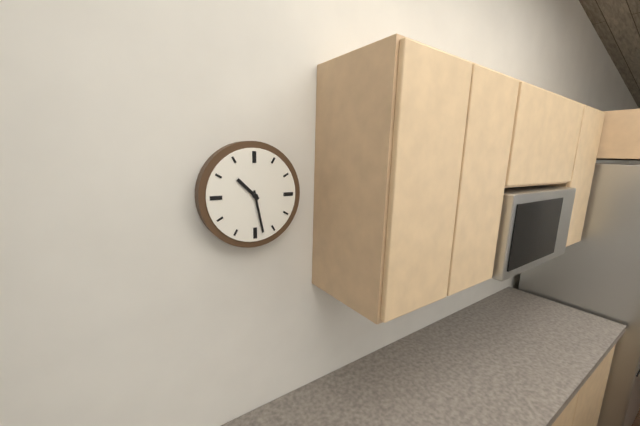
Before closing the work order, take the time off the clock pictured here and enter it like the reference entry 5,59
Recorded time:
10,28
